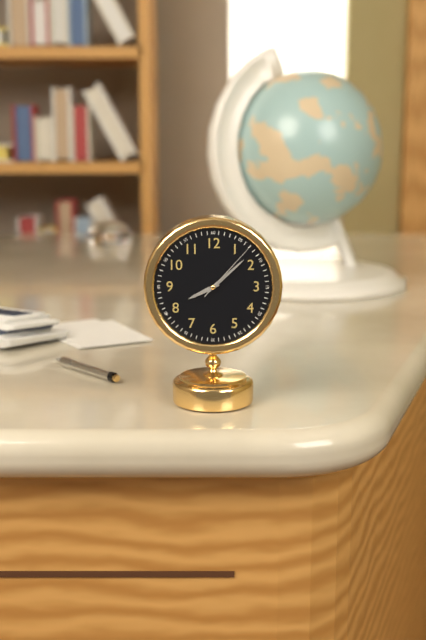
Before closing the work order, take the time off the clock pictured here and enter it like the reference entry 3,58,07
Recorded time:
8,08,07
